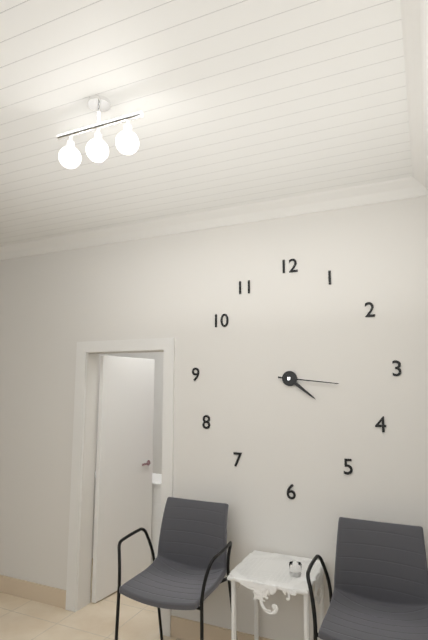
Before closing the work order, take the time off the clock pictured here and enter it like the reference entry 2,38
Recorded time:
4,16
